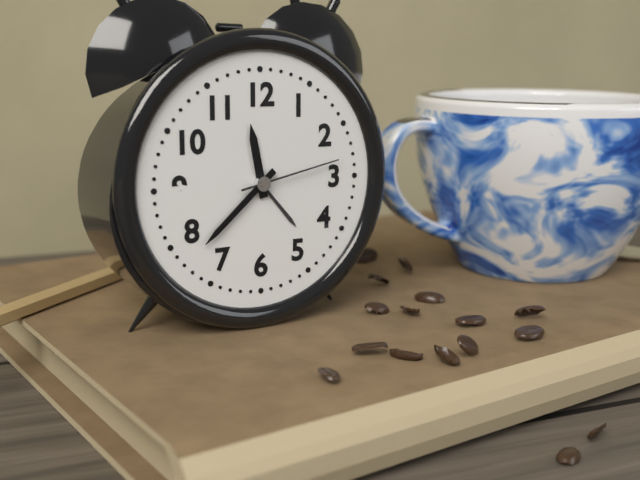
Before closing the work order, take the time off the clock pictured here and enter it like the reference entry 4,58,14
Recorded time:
11,38,13
